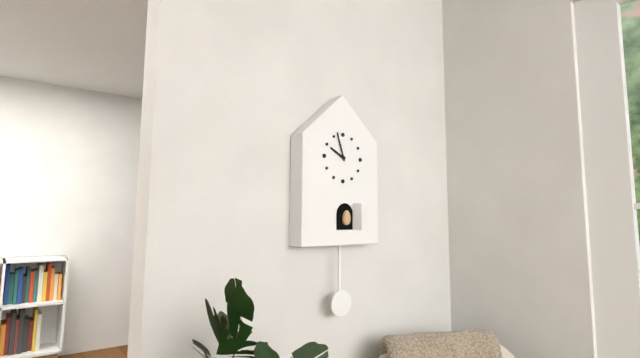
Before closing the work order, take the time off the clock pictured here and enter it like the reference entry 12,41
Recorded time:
9,57
